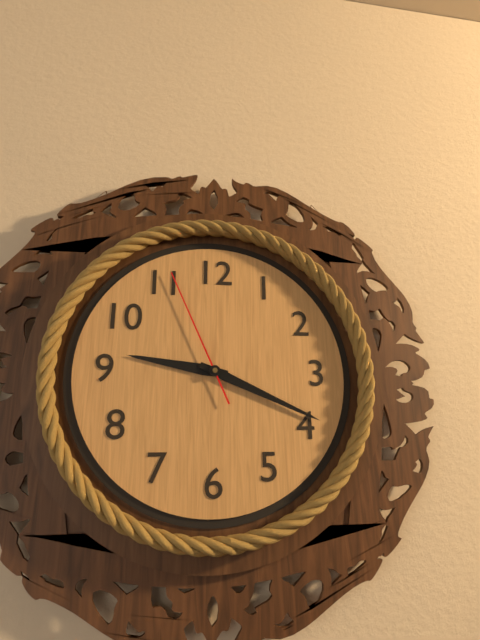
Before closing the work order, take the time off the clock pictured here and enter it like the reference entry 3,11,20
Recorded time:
9,19,56
